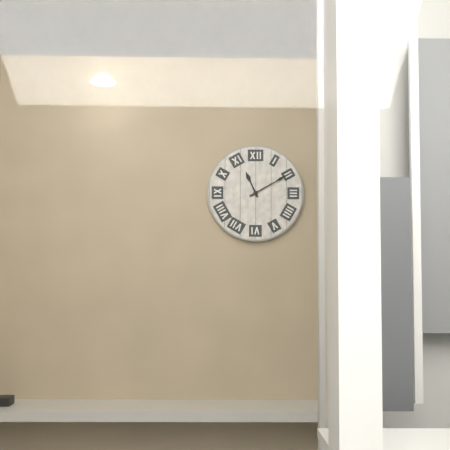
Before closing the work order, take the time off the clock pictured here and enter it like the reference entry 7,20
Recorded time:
11,10
